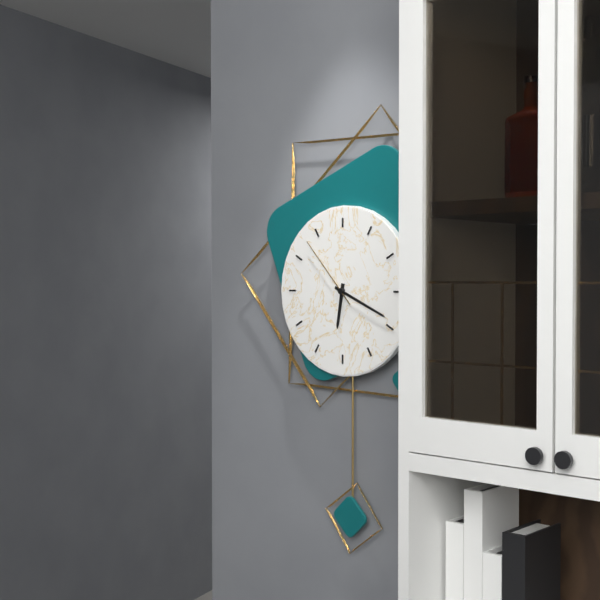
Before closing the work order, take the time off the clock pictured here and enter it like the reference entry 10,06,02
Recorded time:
6,19,53
